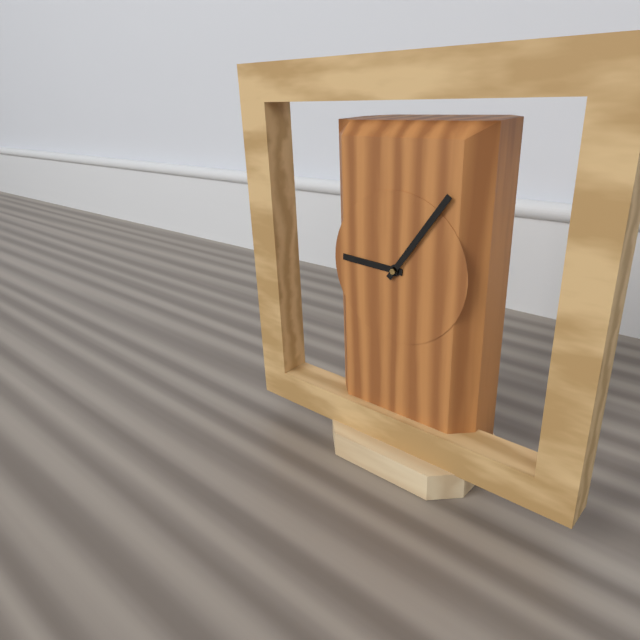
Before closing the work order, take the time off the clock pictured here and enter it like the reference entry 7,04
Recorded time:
9,06
